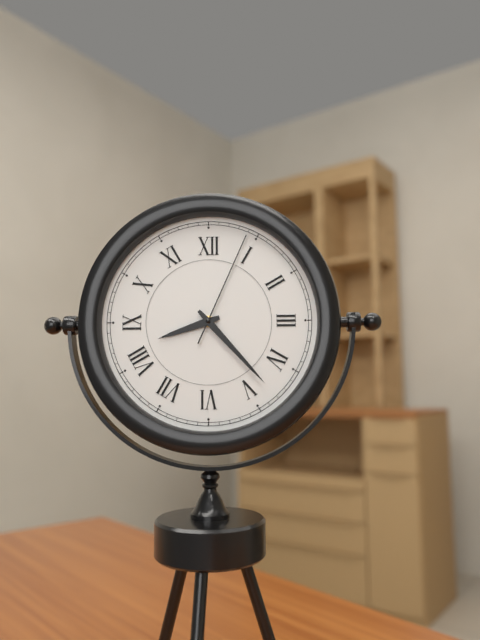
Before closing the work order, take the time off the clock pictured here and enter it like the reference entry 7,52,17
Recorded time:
8,23,04
